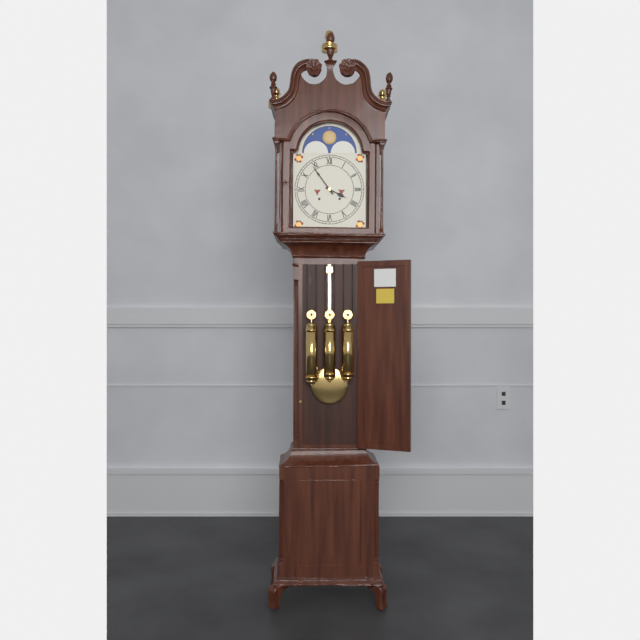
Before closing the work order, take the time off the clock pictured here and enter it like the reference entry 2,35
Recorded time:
3,54
